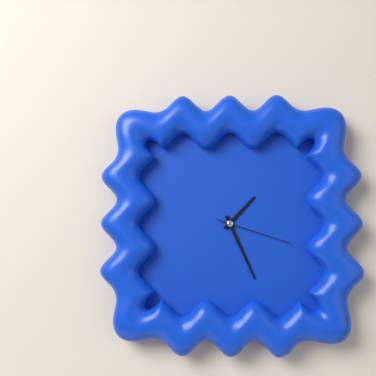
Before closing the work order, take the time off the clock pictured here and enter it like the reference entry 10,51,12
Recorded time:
1,26,18
